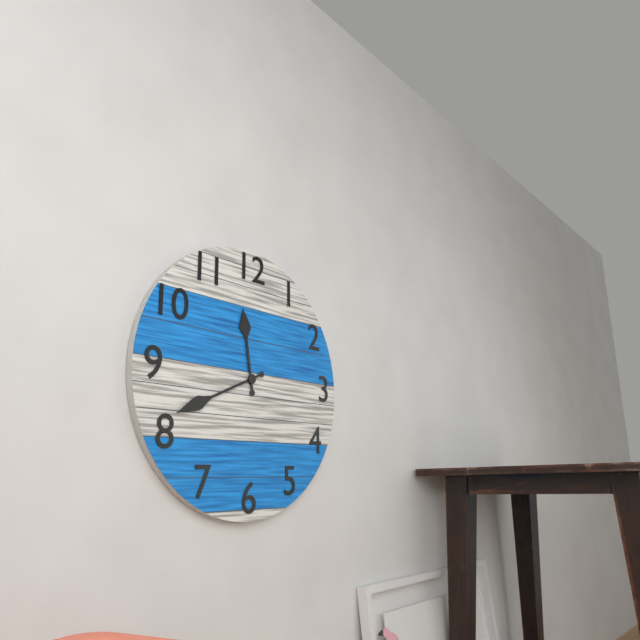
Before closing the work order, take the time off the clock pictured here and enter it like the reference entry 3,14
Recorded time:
11,41
